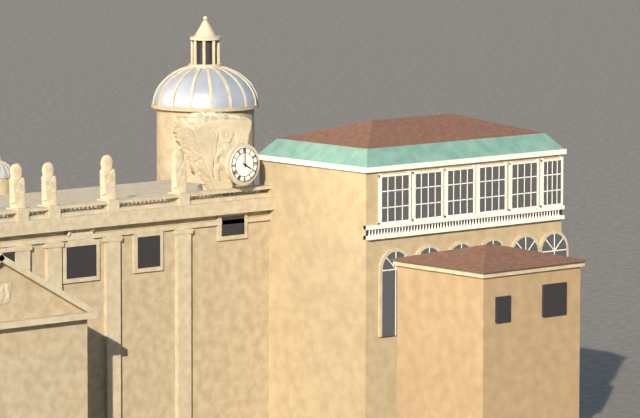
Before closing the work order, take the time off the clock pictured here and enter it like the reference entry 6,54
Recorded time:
4,00
